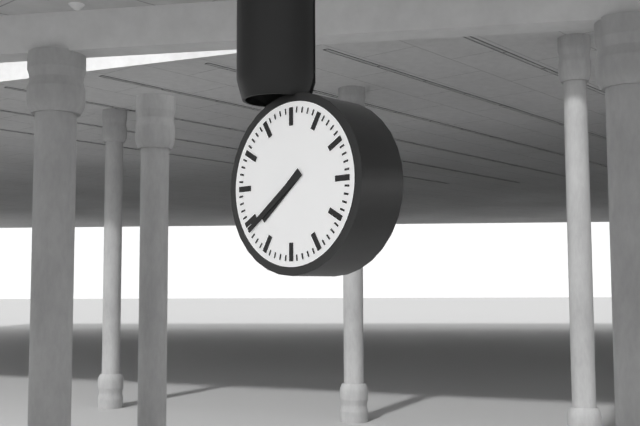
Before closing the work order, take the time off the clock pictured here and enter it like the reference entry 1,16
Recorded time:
7,39
